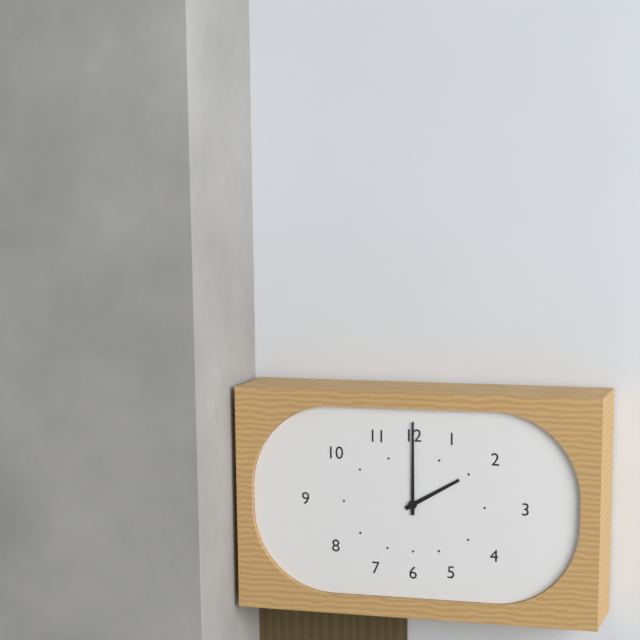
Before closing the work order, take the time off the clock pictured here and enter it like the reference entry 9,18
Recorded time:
2,00
